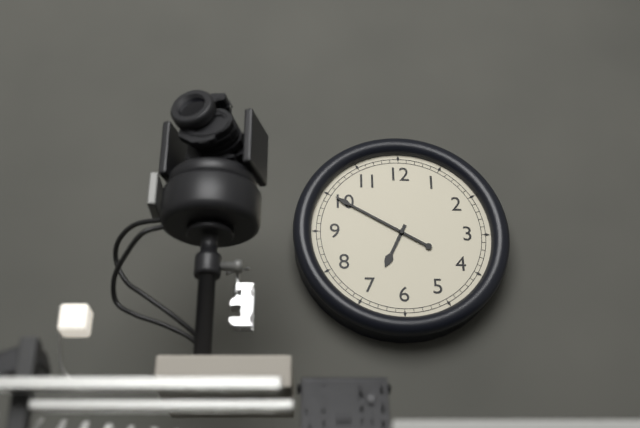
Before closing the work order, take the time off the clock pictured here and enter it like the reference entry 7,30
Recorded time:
6,50
